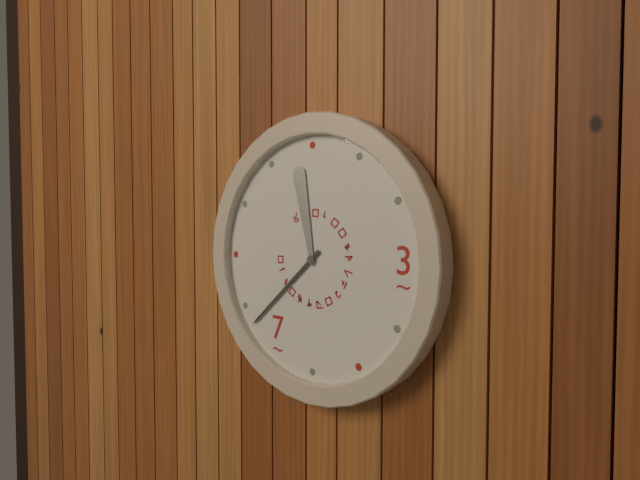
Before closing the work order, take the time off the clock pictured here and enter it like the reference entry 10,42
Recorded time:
11,38
